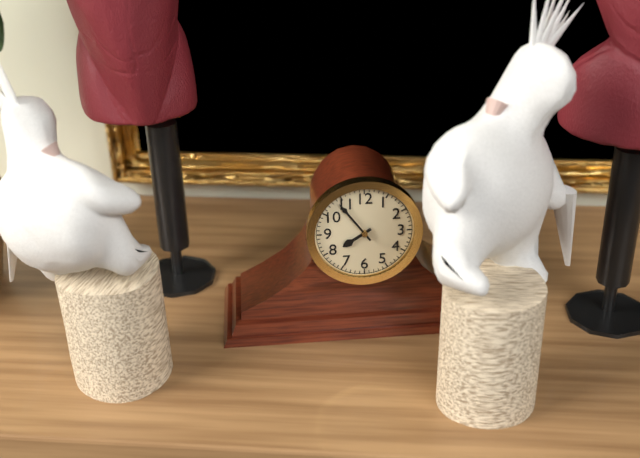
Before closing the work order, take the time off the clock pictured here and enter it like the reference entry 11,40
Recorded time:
7,54
